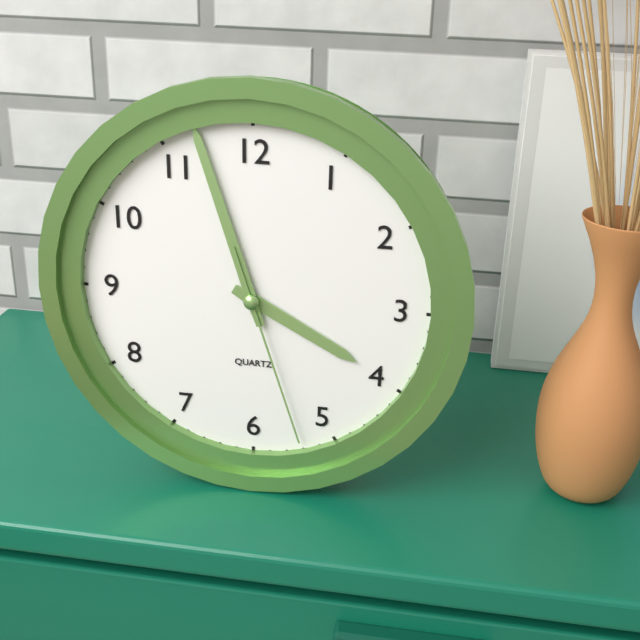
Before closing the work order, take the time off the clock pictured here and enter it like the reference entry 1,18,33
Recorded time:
3,57,27
